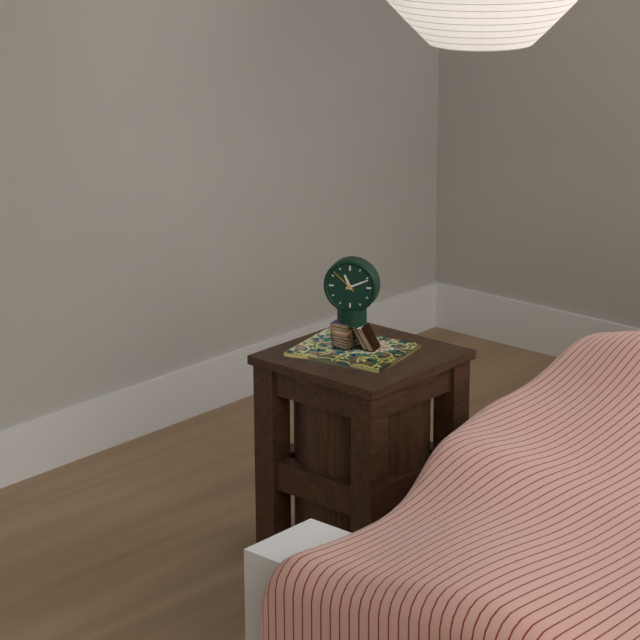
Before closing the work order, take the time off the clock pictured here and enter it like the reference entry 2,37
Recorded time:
11,11
